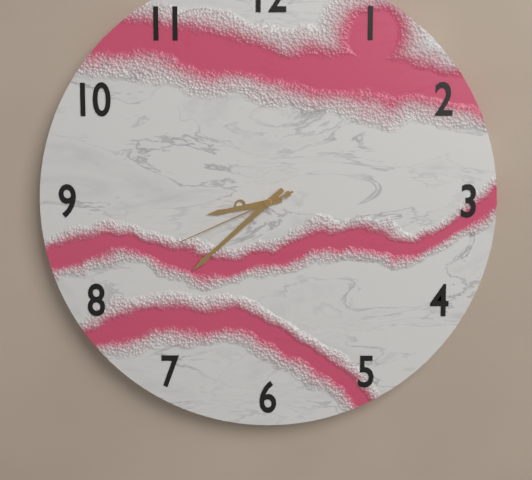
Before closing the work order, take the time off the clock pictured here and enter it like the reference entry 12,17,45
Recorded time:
8,38,41
